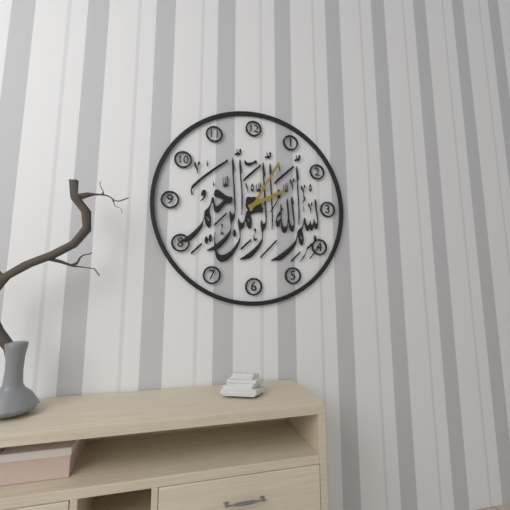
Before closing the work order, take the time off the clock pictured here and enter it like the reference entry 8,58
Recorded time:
2,05
